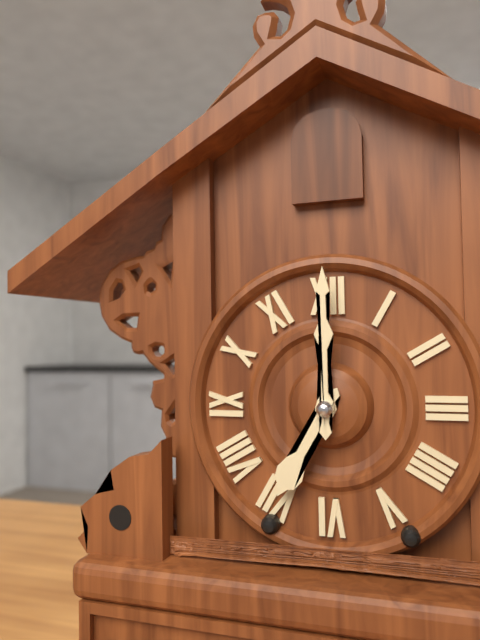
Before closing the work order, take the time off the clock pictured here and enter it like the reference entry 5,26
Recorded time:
7,00
